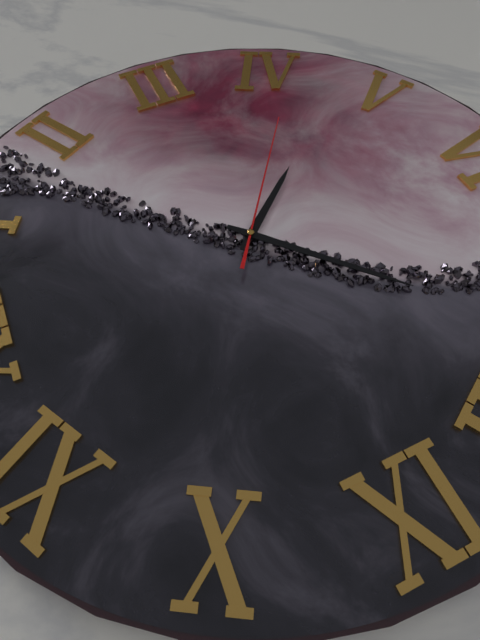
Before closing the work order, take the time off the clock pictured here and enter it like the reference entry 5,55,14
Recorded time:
4,38,21
